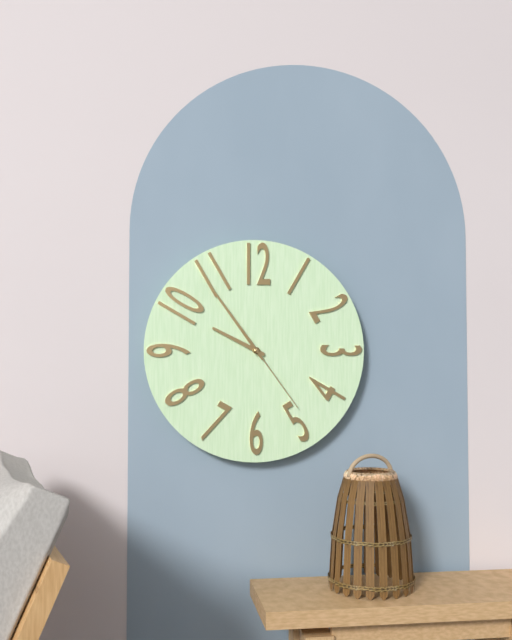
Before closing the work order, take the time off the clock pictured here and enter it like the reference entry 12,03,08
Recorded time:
9,54,24
